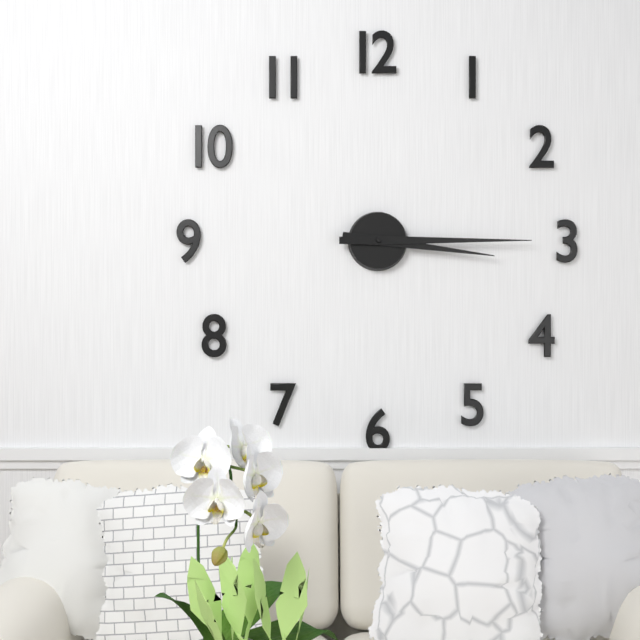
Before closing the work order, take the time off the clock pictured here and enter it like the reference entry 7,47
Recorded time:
3,15
